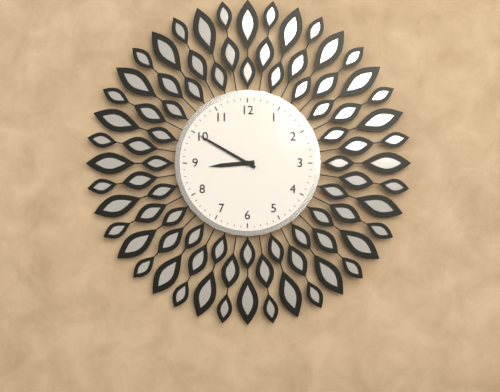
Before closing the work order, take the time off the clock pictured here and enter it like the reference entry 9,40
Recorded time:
8,50
